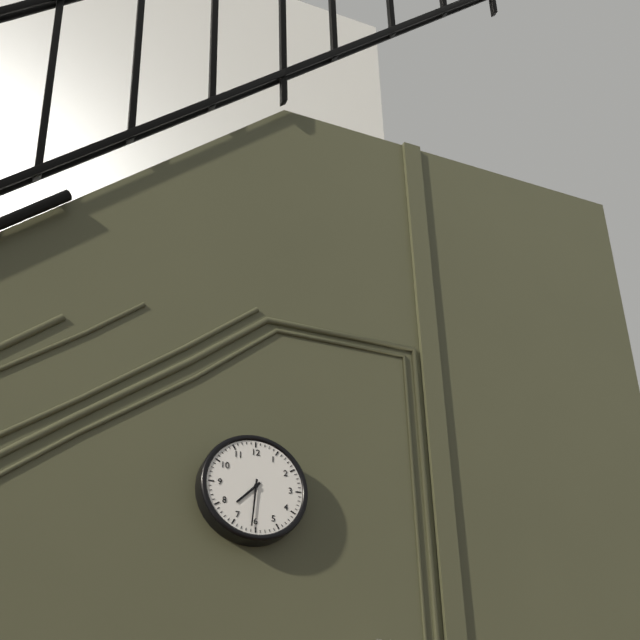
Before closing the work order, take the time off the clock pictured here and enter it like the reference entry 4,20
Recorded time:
7,31
